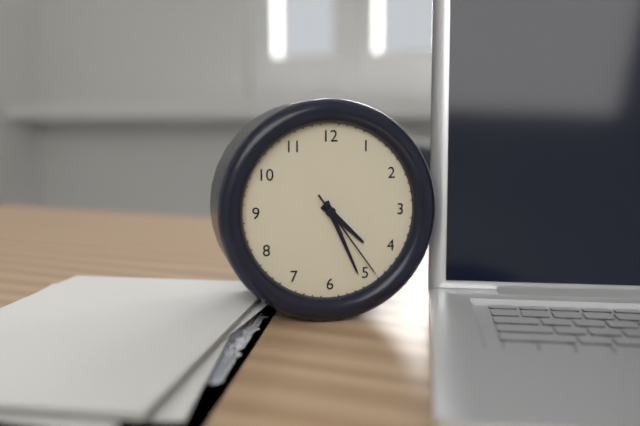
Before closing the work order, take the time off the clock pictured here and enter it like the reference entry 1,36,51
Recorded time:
4,26,24
